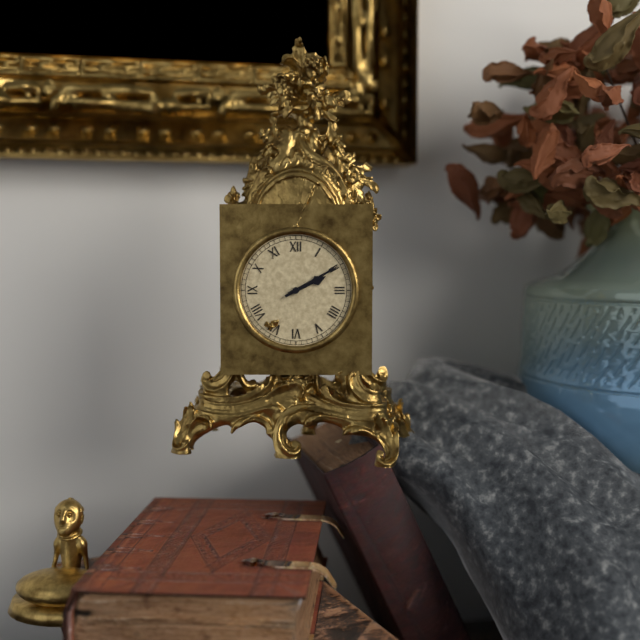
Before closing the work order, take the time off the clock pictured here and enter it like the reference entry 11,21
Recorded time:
2,10
